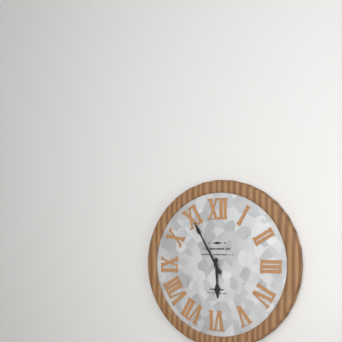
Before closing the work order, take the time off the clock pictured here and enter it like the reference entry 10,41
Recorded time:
5,55
